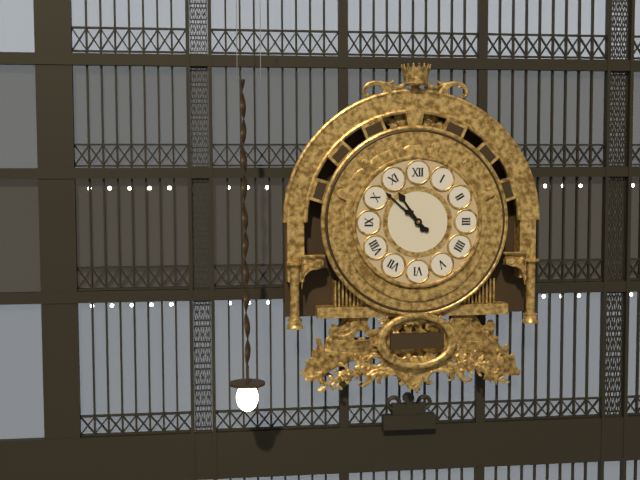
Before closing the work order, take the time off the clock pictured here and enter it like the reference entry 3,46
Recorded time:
10,52
